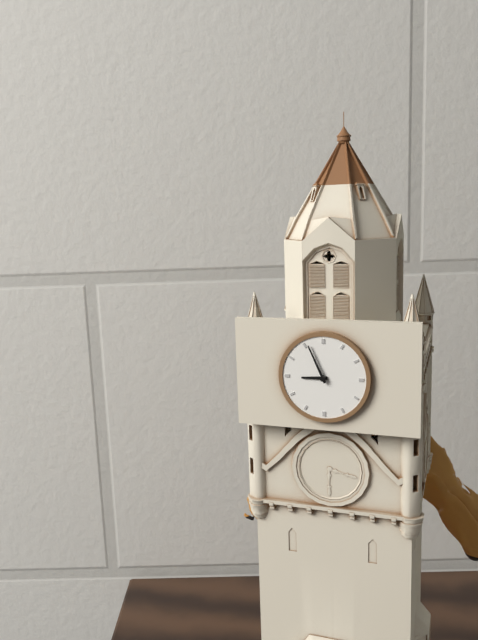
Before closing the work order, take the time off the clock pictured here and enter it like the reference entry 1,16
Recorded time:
8,56
